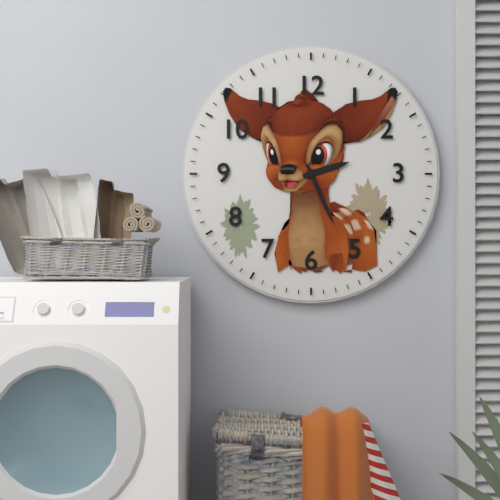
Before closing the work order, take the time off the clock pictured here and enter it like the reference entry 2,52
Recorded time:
2,26
